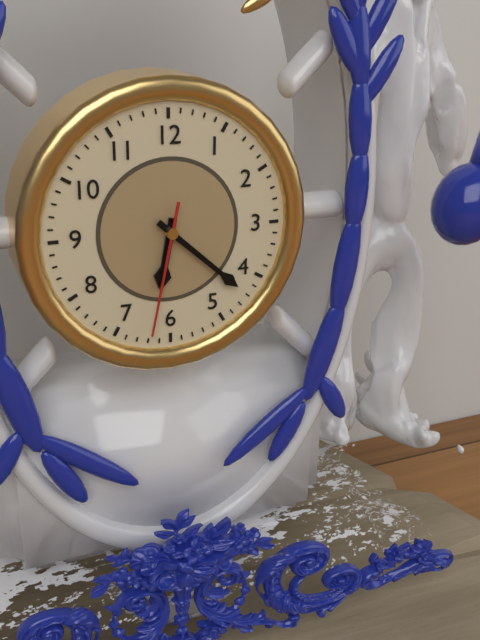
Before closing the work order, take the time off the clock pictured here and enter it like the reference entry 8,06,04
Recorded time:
6,22,32
